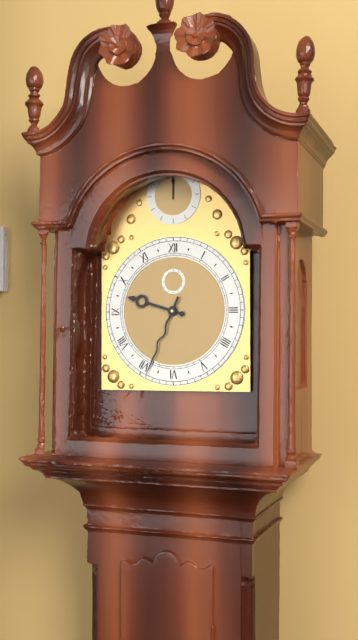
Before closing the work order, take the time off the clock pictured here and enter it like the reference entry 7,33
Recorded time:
9,34
